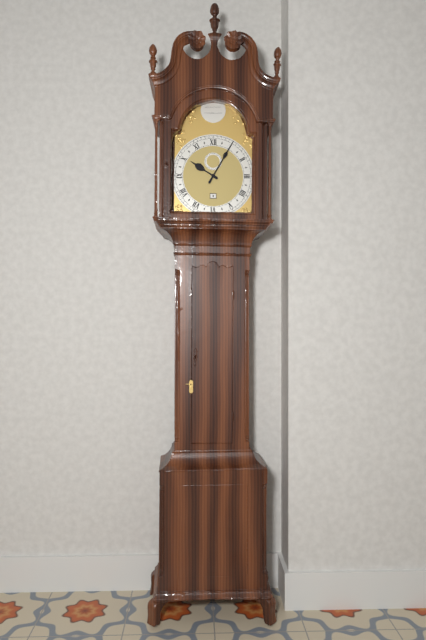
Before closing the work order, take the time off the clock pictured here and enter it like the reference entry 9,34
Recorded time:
10,05
